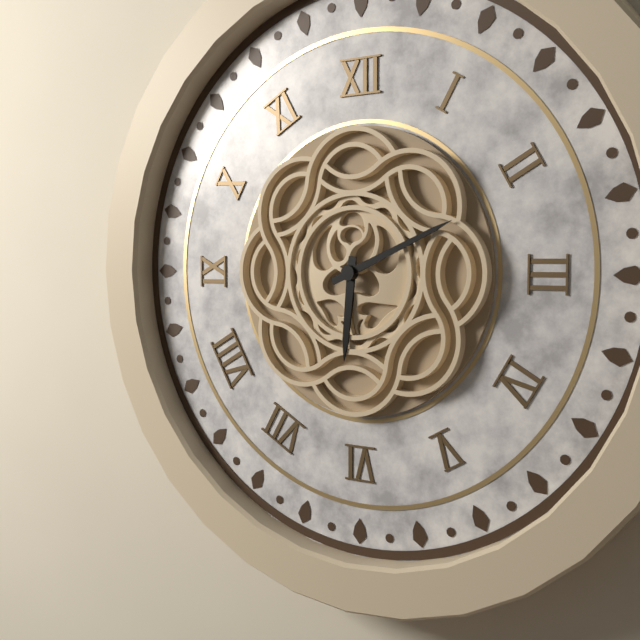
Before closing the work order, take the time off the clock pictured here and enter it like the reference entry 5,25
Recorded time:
6,11
